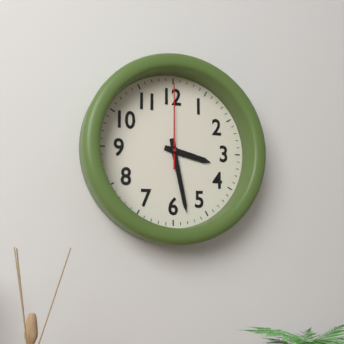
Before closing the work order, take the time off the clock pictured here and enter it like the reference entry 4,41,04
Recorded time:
3,28,00
